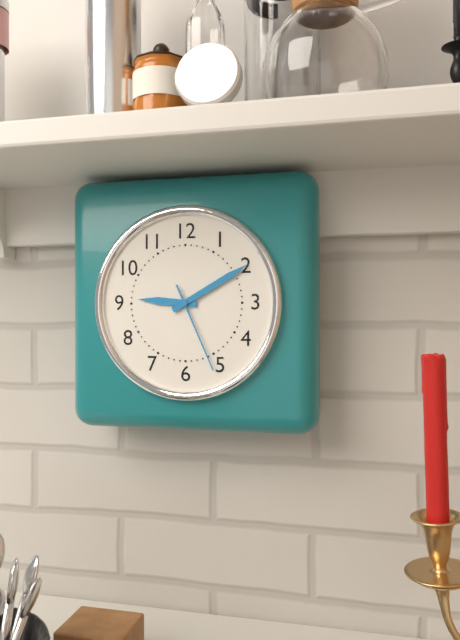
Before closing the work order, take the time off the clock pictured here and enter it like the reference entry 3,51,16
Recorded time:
9,10,26
